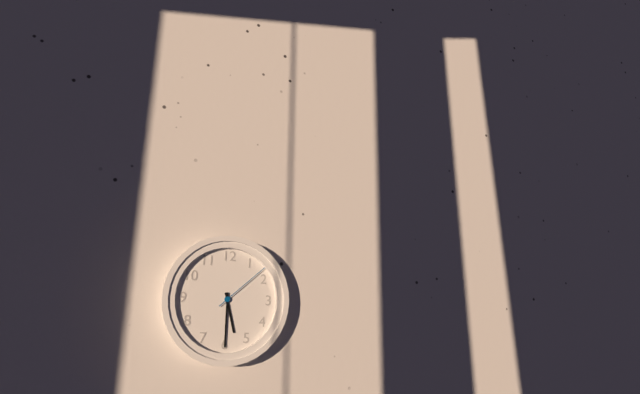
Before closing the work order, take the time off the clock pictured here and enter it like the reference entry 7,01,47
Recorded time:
5,30,08
